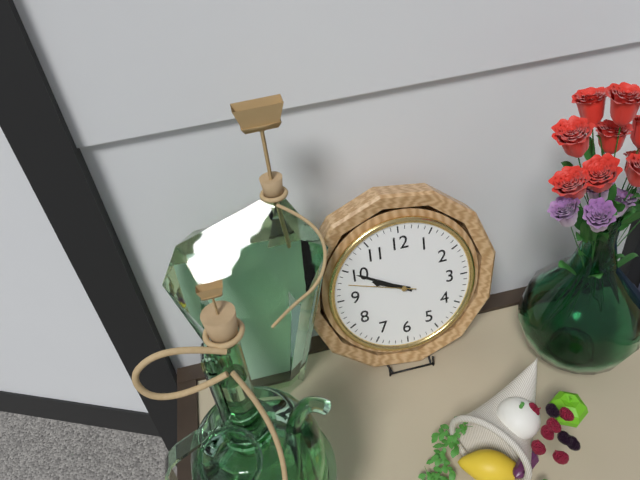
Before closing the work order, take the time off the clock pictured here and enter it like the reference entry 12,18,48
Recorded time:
9,50,48
